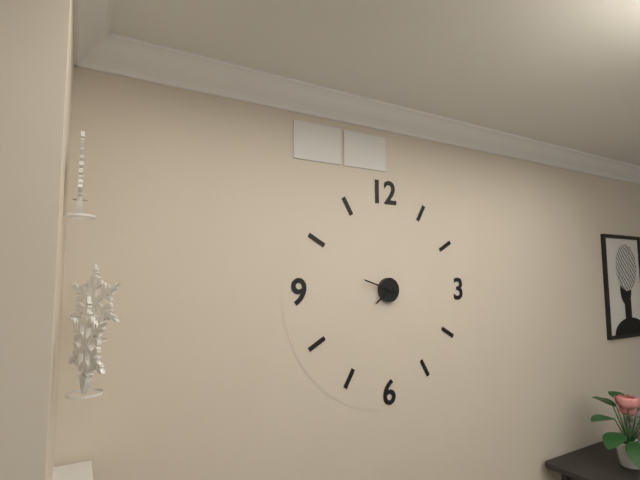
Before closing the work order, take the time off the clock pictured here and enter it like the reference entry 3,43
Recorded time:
7,48
